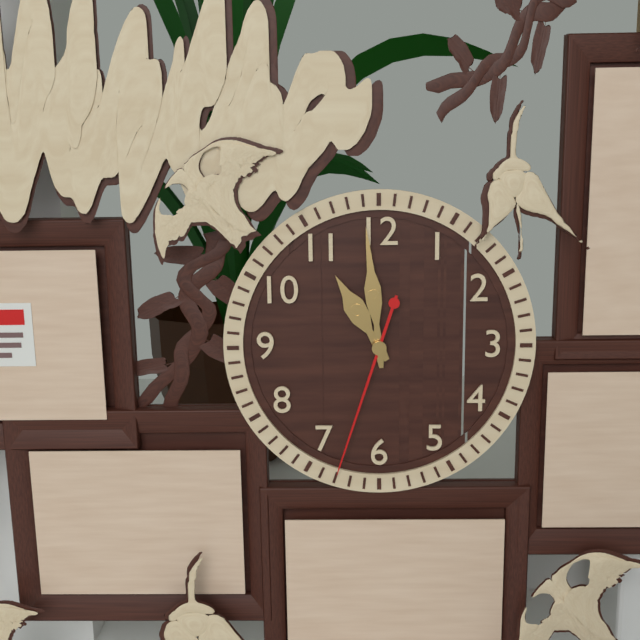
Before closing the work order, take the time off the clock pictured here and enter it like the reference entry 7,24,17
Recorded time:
10,59,33
